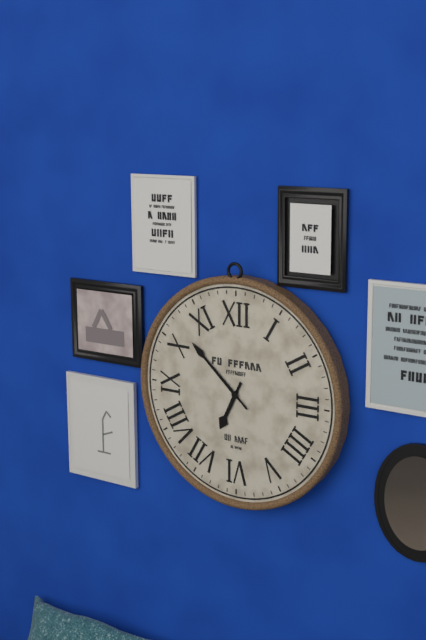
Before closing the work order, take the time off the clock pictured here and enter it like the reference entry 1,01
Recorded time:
6,52
